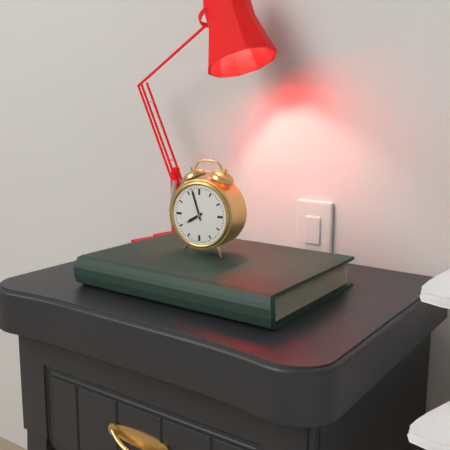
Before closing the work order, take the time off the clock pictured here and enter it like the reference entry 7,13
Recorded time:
7,57
